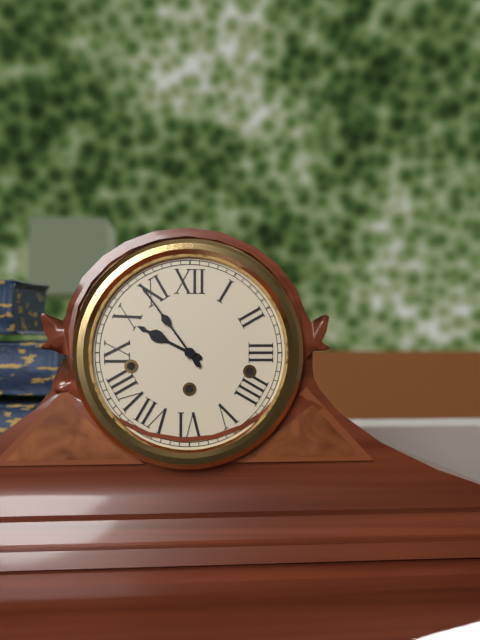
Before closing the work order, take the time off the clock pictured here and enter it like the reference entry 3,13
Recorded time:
9,54
